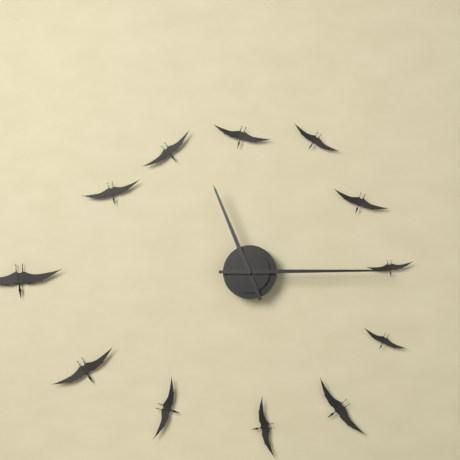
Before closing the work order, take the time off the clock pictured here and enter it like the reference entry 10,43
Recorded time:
11,15
